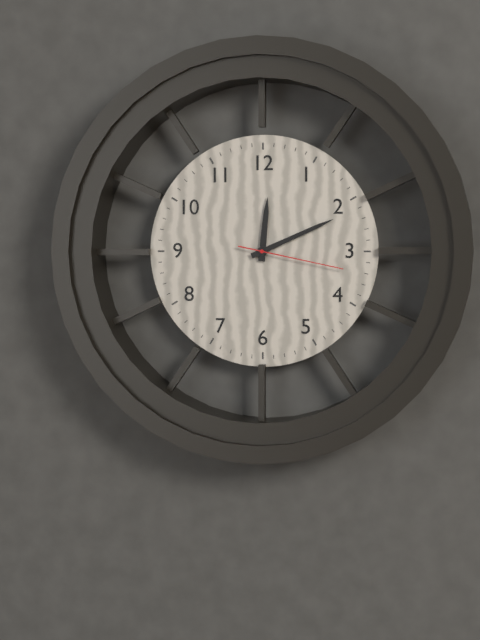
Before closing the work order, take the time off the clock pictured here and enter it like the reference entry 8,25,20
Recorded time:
12,11,17
